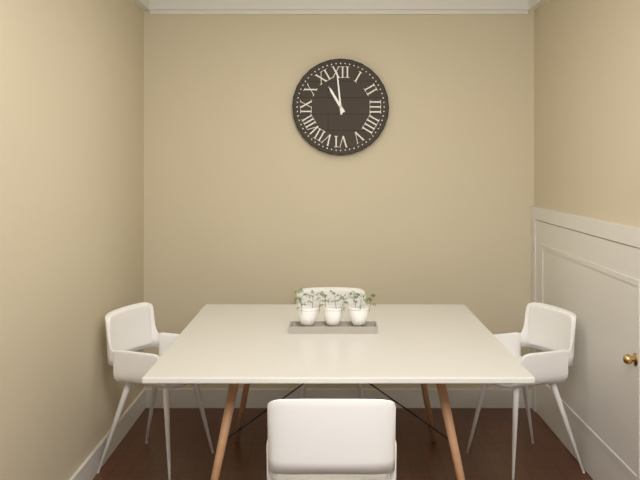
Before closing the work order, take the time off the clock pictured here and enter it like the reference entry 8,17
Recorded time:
10,59
